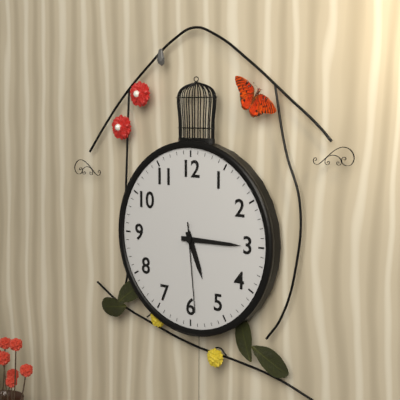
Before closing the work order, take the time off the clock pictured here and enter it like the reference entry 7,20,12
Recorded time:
5,15,29
